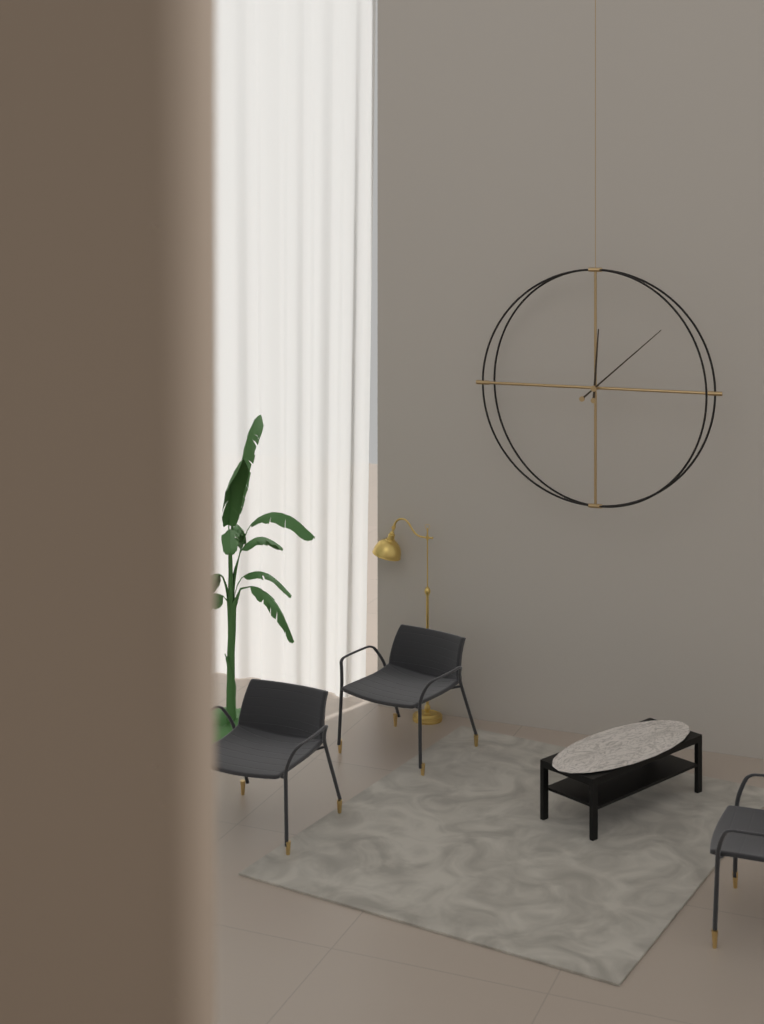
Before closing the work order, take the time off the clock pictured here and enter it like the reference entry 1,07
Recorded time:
12,08
